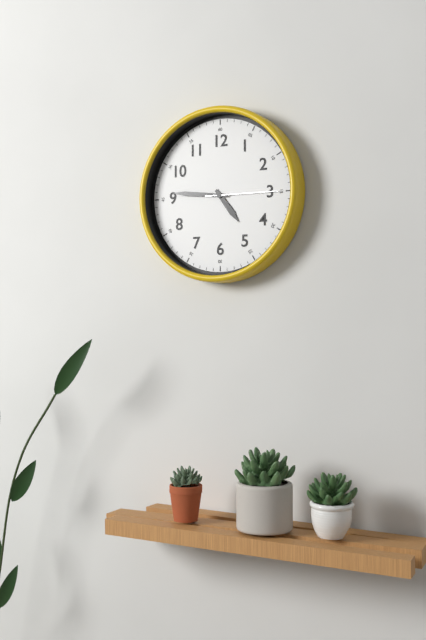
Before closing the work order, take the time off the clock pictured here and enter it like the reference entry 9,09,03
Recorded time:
4,46,15
